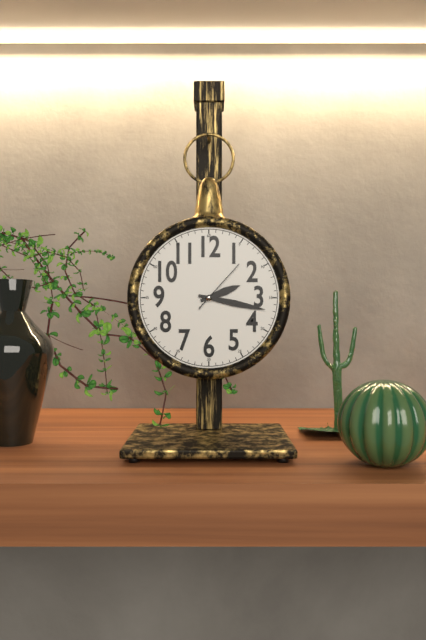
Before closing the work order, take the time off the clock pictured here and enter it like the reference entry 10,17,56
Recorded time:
2,17,07
